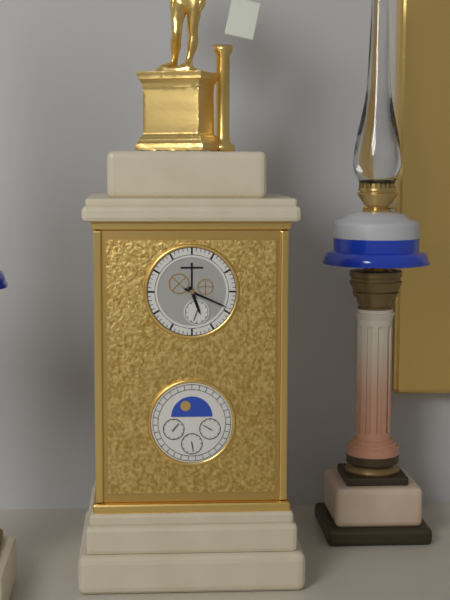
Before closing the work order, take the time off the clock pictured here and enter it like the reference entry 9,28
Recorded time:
5,19
